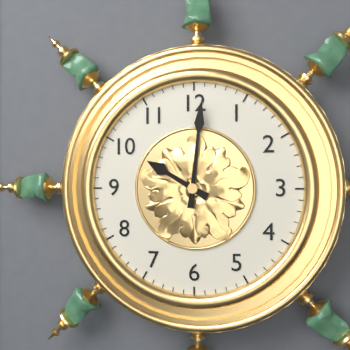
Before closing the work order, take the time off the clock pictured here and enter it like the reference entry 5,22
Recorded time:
10,01
